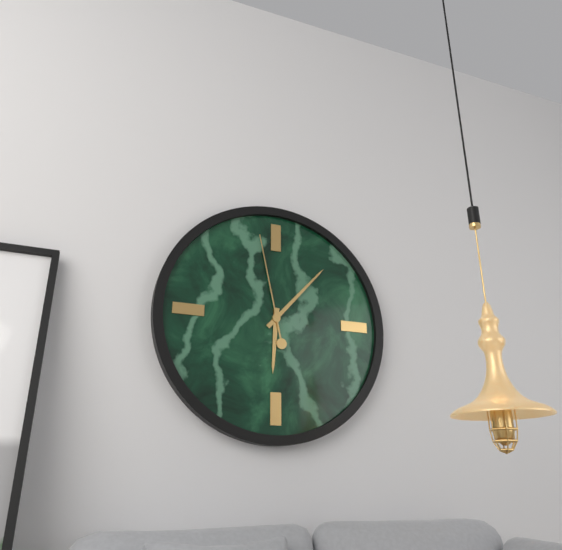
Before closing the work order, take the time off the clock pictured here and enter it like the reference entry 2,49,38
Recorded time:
6,07,58
